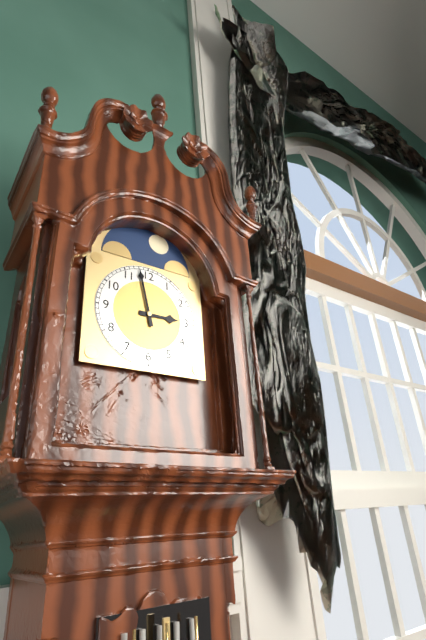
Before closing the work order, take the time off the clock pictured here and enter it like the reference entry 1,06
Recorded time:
2,58
